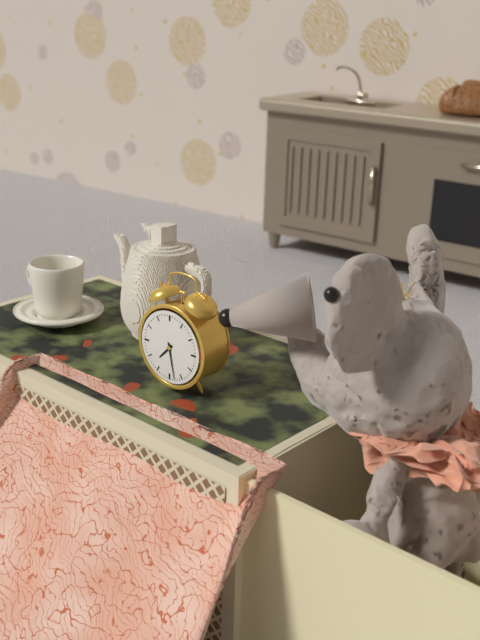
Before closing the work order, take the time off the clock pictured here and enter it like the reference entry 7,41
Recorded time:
7,28
